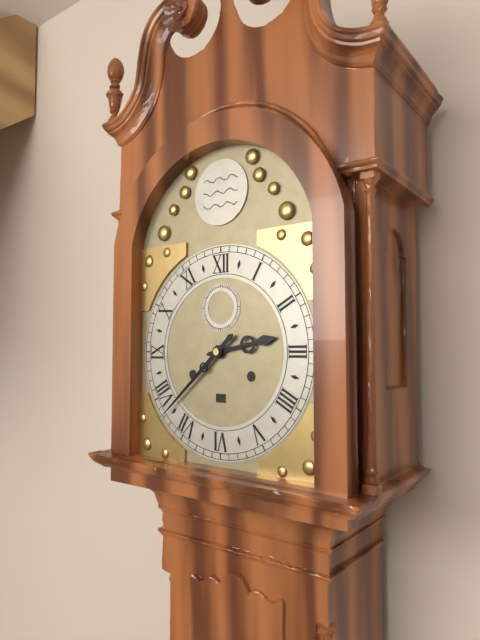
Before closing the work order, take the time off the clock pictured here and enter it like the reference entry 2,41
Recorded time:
2,38
